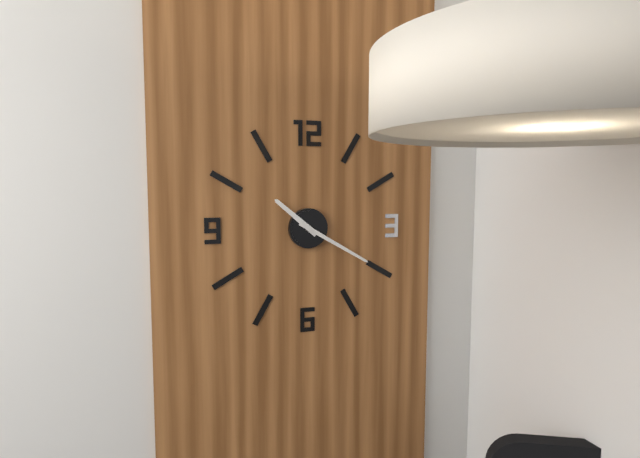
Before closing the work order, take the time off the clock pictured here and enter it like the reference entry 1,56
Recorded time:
10,20
